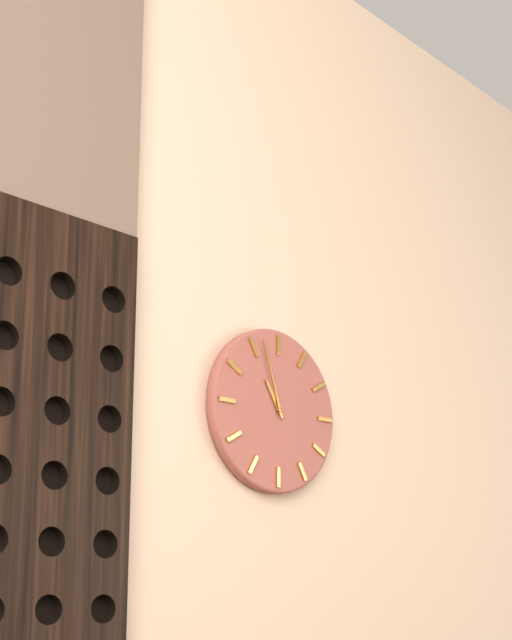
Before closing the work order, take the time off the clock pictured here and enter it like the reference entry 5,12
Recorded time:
10,57
